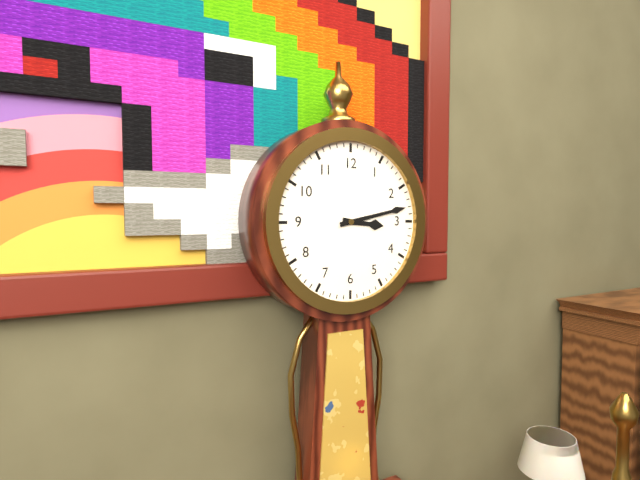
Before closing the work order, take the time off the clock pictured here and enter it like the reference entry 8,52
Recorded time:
3,13
